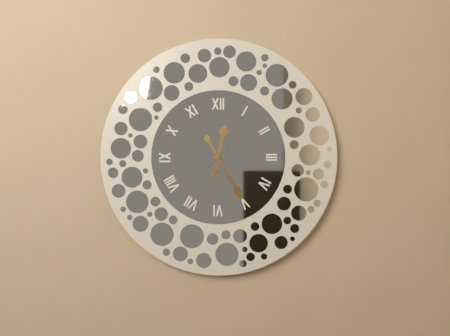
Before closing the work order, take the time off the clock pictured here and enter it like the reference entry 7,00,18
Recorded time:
12,25,08
